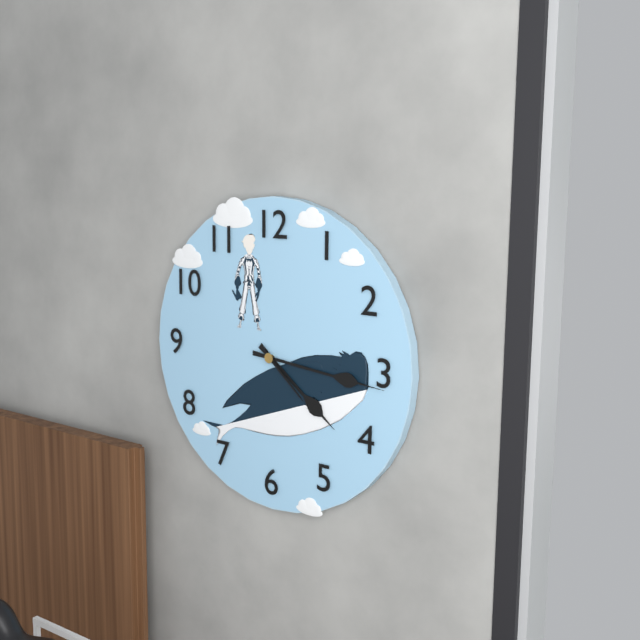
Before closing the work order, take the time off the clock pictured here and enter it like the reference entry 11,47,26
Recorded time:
4,16,22
